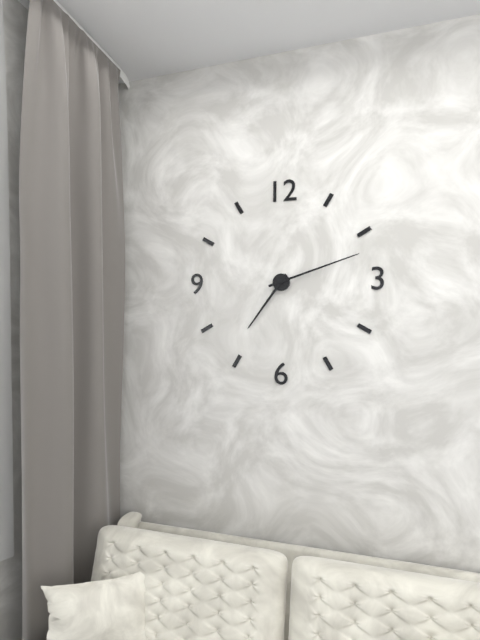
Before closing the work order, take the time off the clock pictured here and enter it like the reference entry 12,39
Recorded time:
7,12
